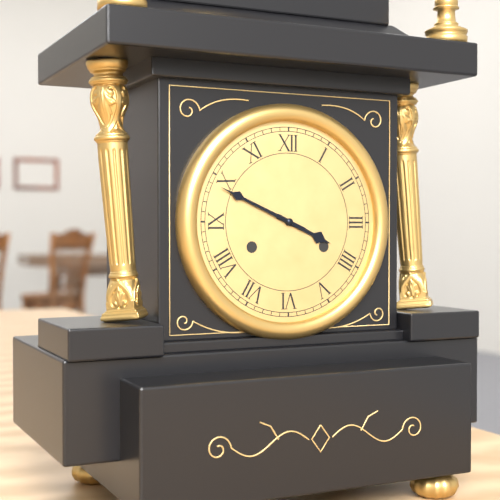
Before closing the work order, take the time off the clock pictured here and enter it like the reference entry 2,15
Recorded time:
3,49
